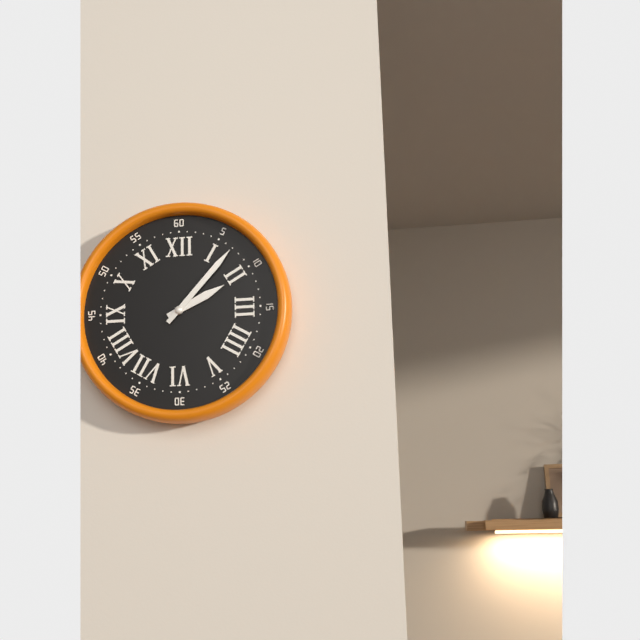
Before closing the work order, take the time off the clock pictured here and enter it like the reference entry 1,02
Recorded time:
2,07
